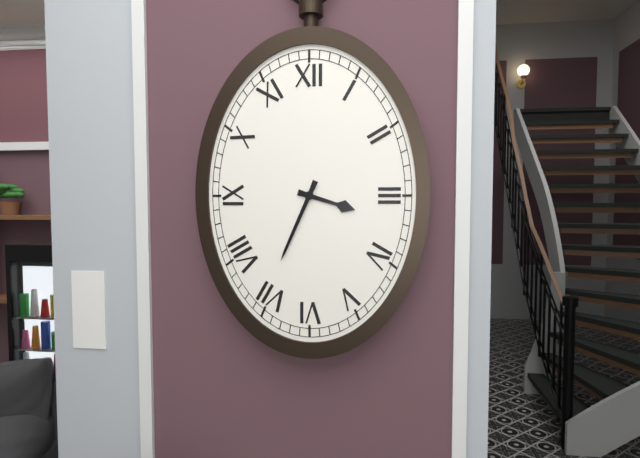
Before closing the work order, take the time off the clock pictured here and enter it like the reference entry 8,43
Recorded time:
3,34
